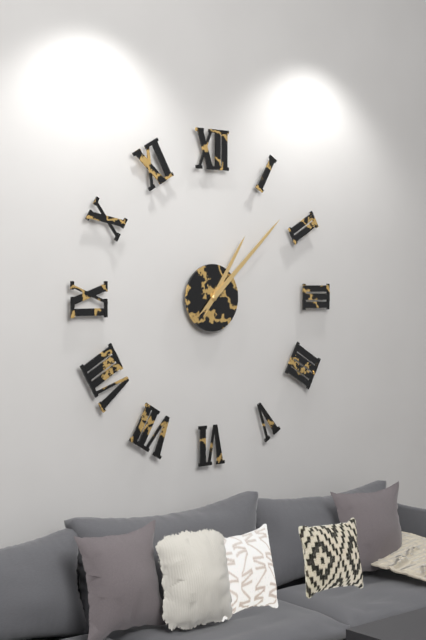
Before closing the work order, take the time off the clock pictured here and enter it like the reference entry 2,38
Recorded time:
1,08
